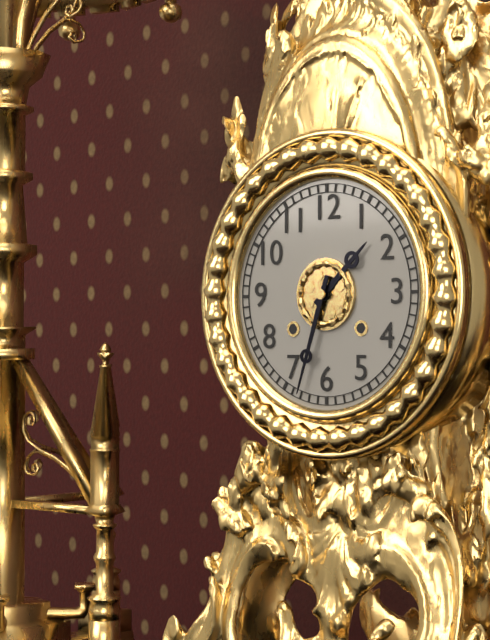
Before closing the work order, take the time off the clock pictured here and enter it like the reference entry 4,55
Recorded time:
1,33
